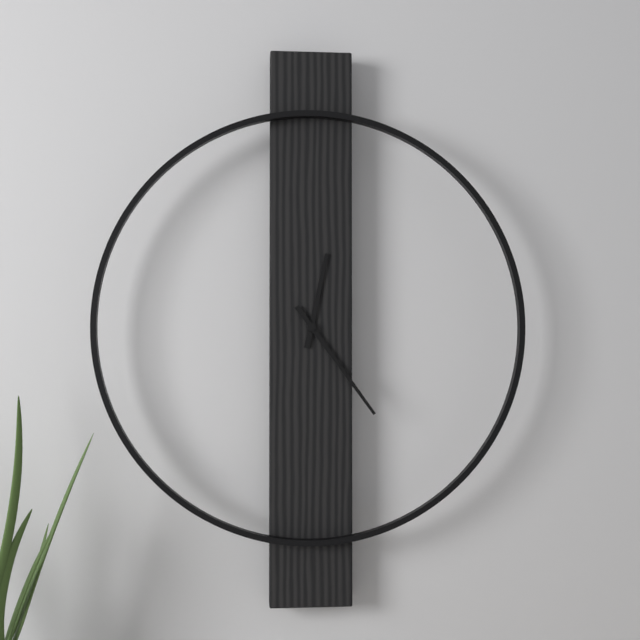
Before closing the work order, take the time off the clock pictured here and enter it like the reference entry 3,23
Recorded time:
12,24
